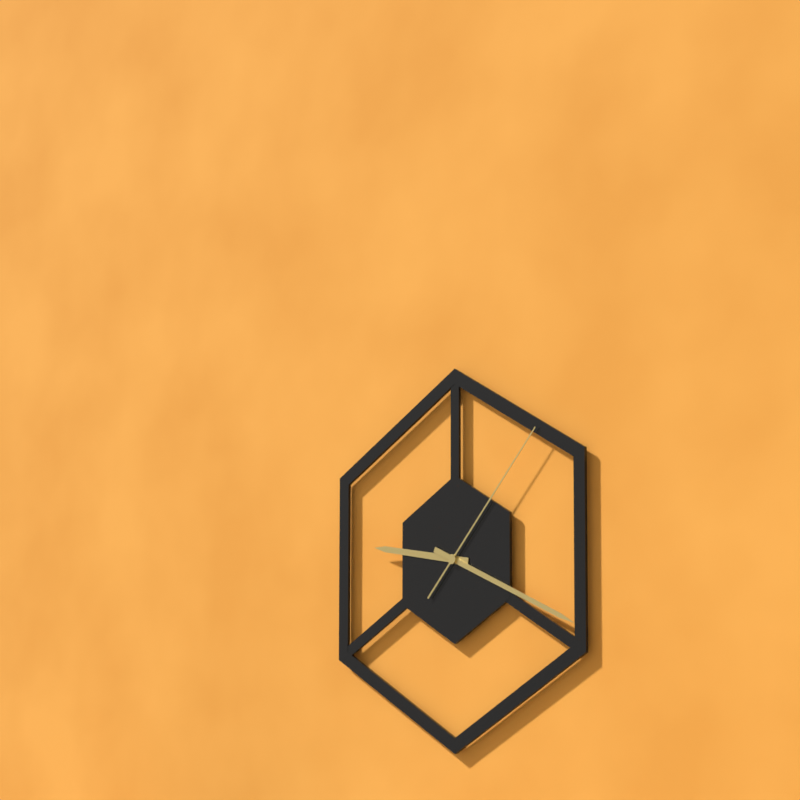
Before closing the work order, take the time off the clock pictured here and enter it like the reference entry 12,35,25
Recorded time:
9,19,07
